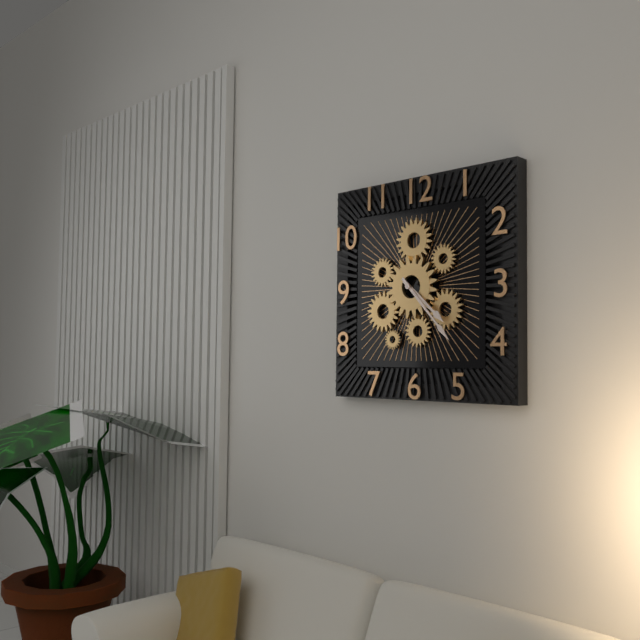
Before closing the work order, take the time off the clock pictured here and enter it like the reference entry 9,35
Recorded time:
4,23
